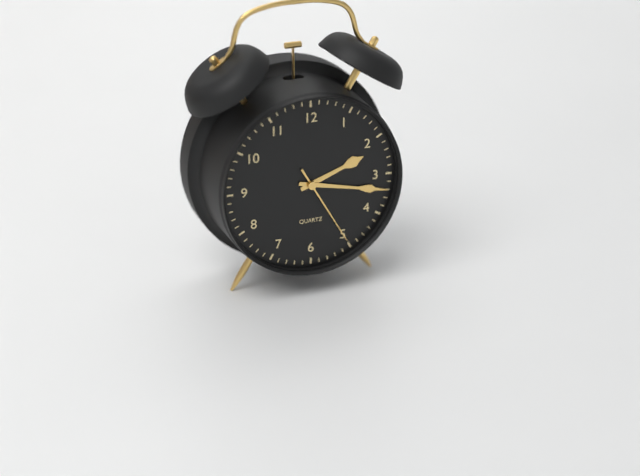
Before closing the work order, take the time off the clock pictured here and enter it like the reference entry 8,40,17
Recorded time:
2,17,25
